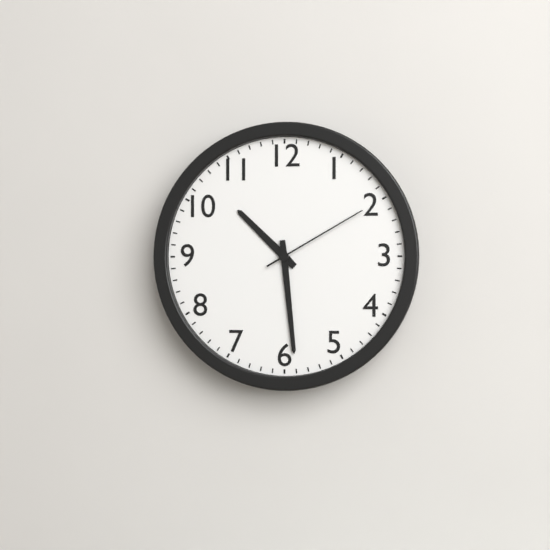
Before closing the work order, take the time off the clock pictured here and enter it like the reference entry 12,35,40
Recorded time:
10,29,10
